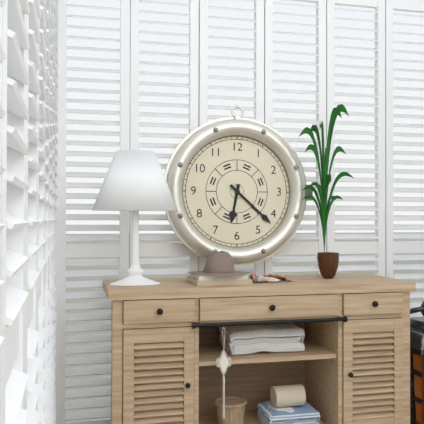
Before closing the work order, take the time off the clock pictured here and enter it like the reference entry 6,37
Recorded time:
6,22
